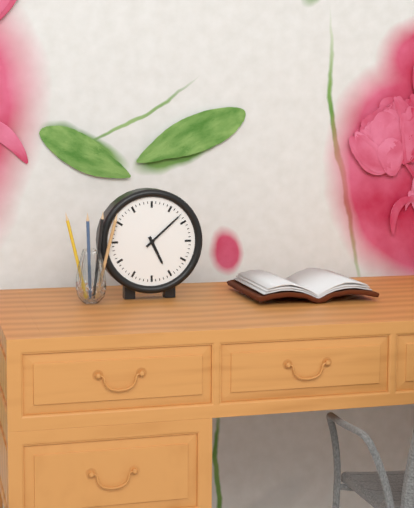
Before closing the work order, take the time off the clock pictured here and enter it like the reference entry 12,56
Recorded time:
5,08
